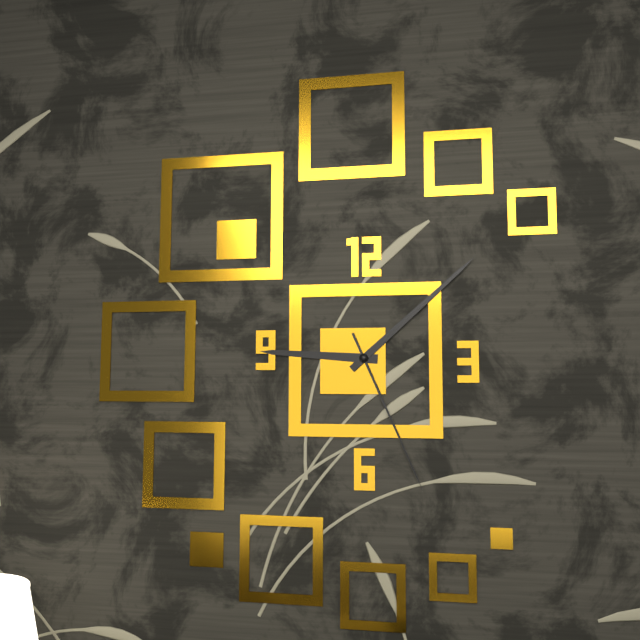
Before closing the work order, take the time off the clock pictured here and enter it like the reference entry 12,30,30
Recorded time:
9,08,26
